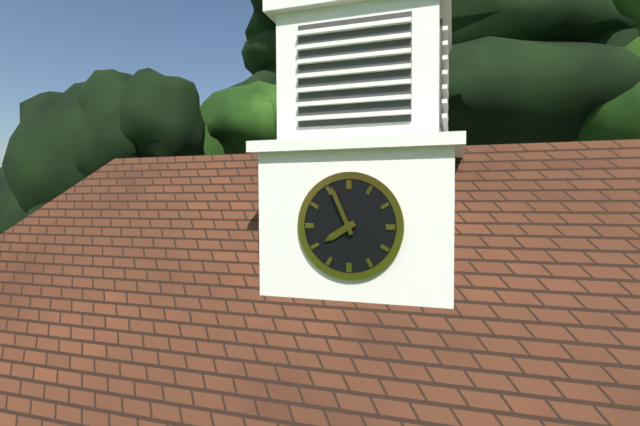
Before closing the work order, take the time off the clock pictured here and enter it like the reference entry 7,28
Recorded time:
7,56
